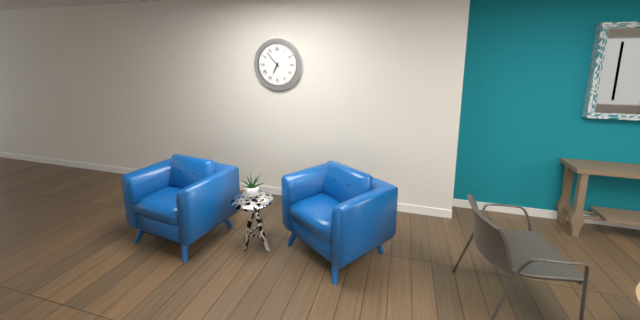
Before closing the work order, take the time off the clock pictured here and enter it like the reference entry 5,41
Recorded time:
6,53
